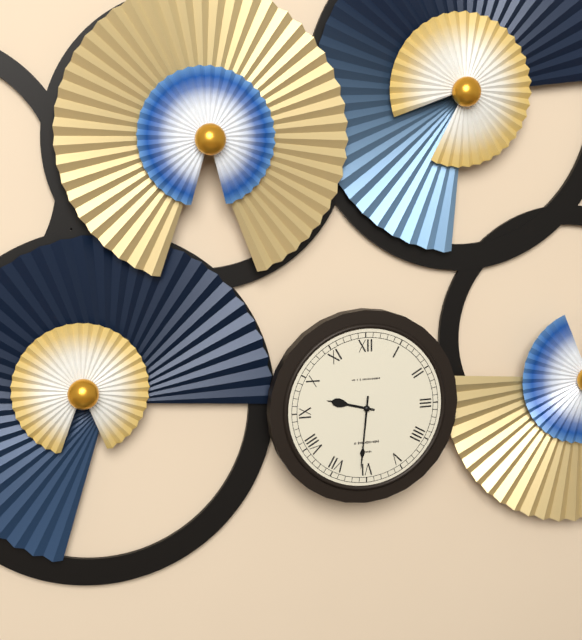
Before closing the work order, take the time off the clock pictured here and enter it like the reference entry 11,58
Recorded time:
9,31
